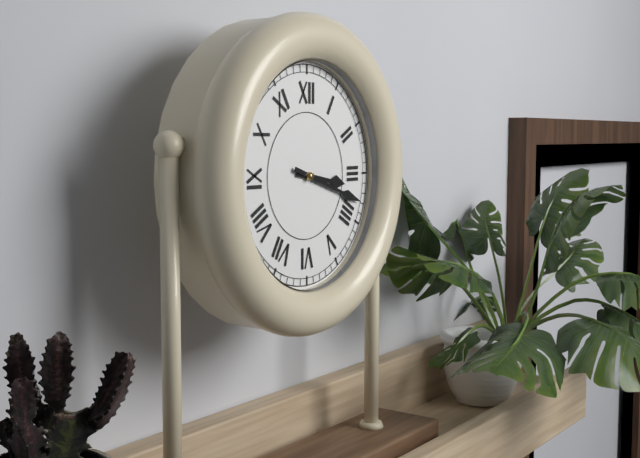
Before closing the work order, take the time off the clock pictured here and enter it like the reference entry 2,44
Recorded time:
3,18
